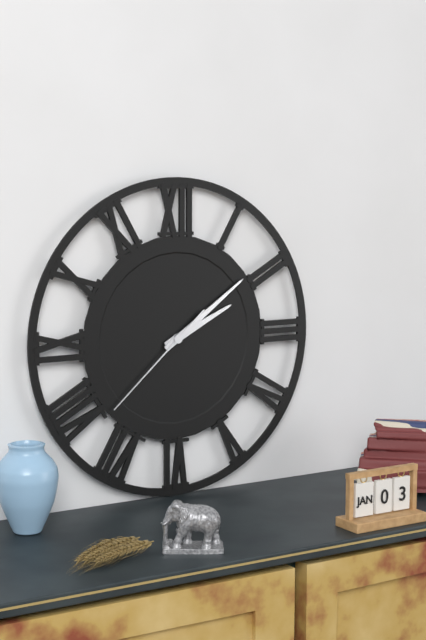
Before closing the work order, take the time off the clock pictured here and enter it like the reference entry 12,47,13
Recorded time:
2,09,38
